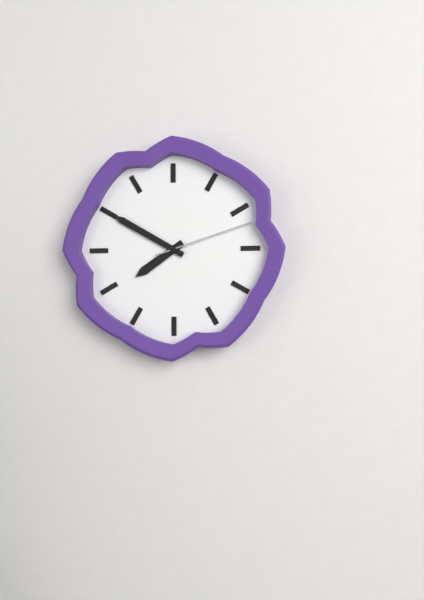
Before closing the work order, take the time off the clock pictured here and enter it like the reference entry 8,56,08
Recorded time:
7,50,12
